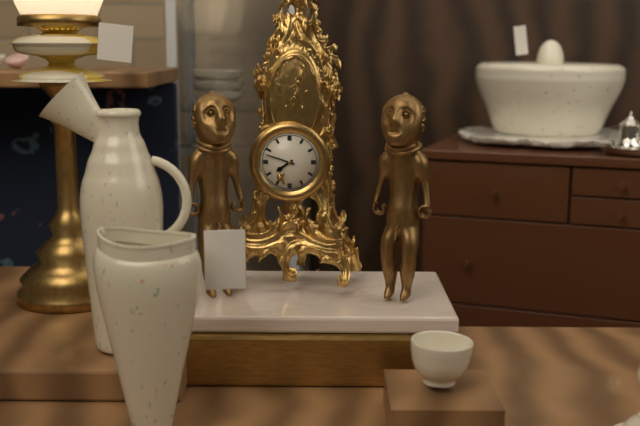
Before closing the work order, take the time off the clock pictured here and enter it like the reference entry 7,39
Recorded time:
7,48
